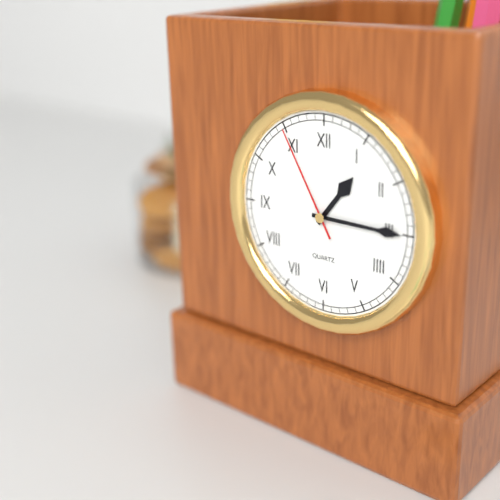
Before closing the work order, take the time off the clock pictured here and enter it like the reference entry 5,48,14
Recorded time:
1,15,55
